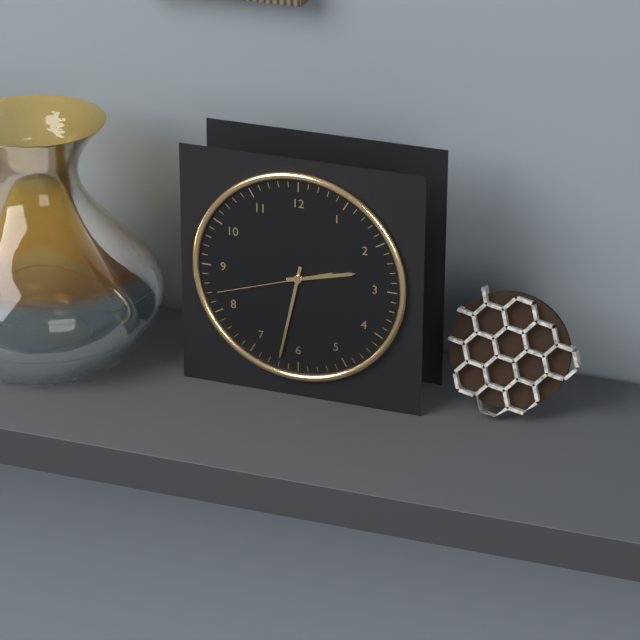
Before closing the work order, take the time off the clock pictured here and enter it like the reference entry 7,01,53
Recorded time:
2,32,42
